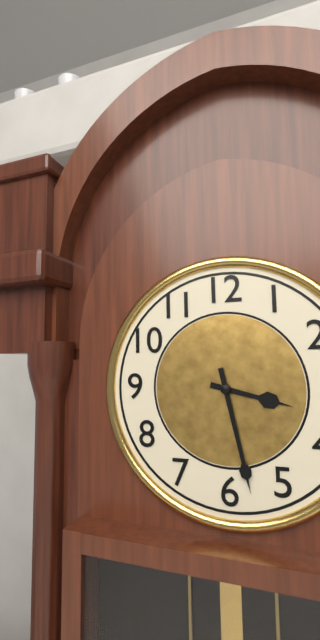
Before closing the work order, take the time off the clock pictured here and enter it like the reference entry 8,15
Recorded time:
3,28
